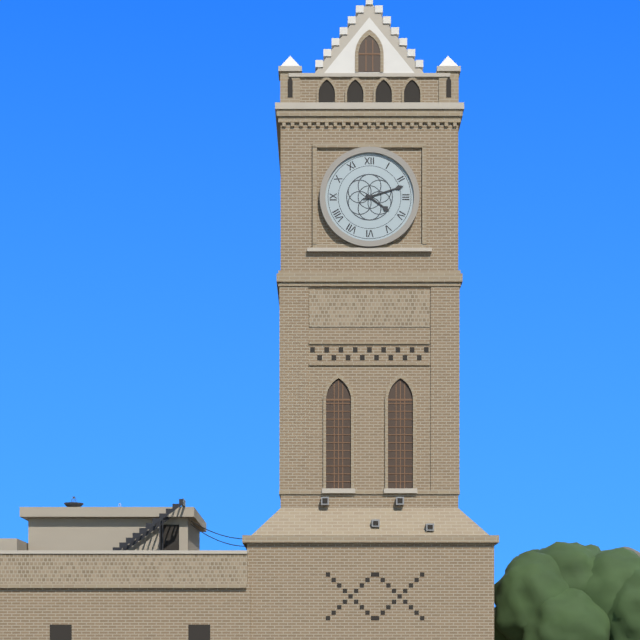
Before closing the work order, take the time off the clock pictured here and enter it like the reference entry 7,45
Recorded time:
4,12
